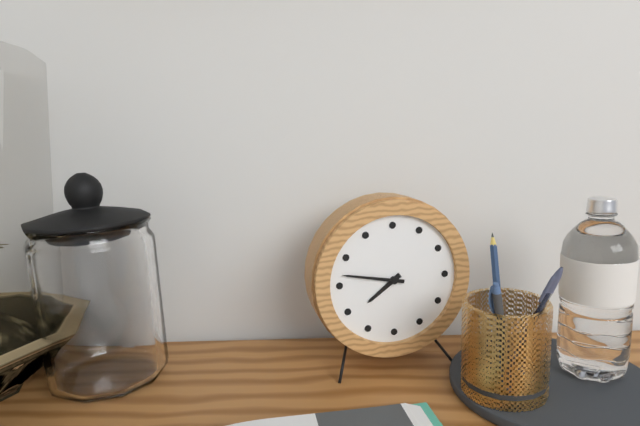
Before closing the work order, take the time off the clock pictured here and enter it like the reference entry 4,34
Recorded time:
7,47
